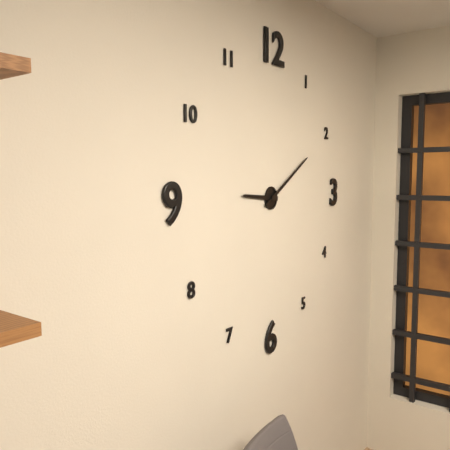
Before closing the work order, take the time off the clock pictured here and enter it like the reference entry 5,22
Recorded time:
9,10
